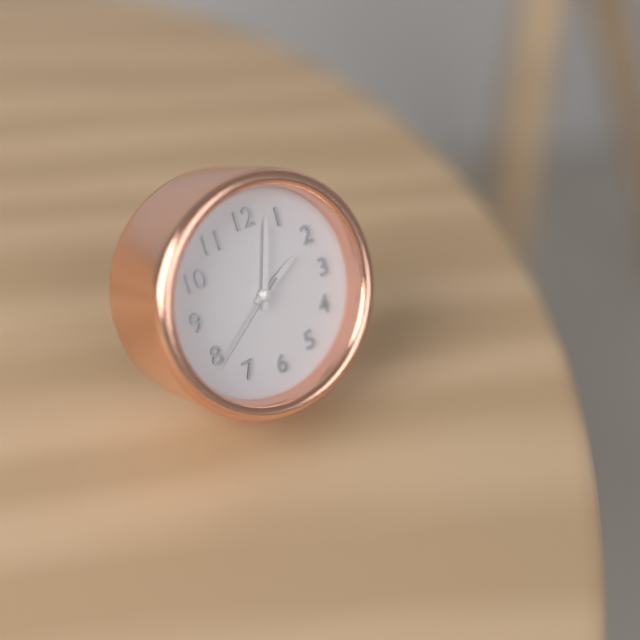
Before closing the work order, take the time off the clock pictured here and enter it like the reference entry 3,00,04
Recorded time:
2,03,39
